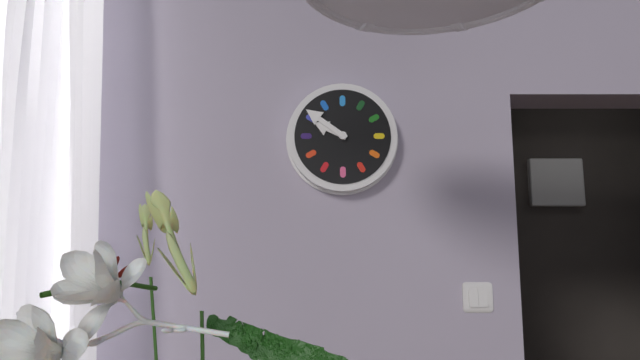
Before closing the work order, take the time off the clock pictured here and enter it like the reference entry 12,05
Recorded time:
9,51
